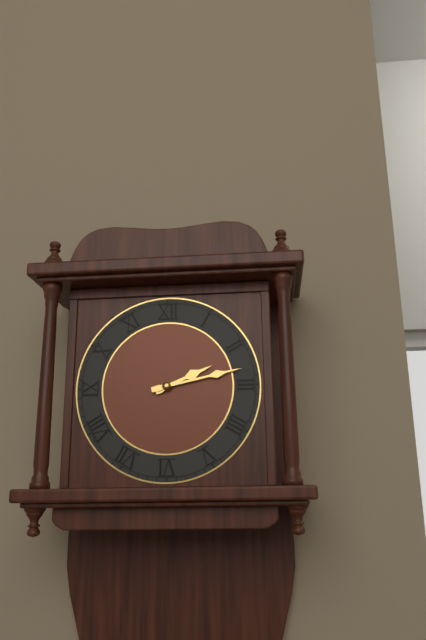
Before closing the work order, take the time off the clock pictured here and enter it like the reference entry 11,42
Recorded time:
2,13
